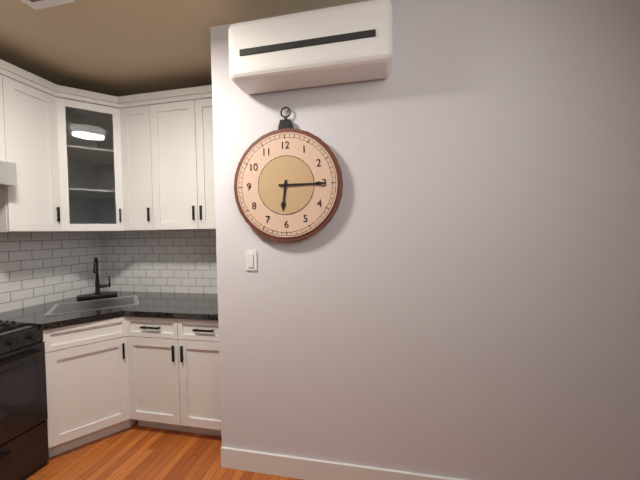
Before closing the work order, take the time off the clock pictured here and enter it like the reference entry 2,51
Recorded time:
6,15
